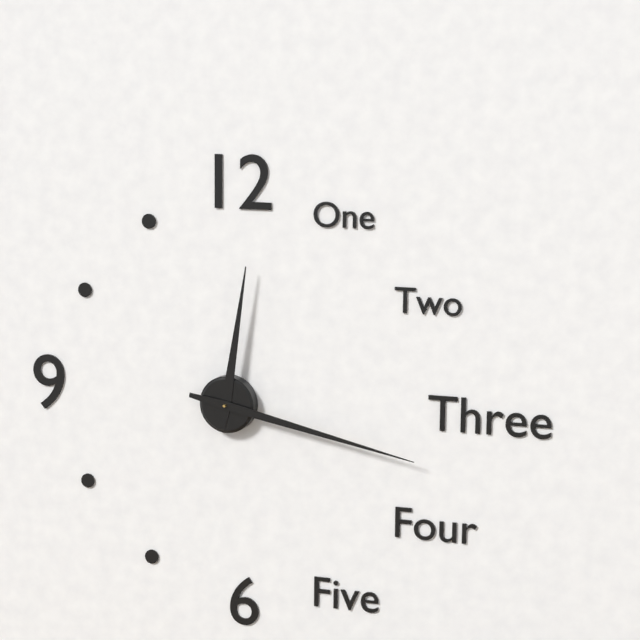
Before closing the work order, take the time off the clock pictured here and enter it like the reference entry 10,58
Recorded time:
12,17
